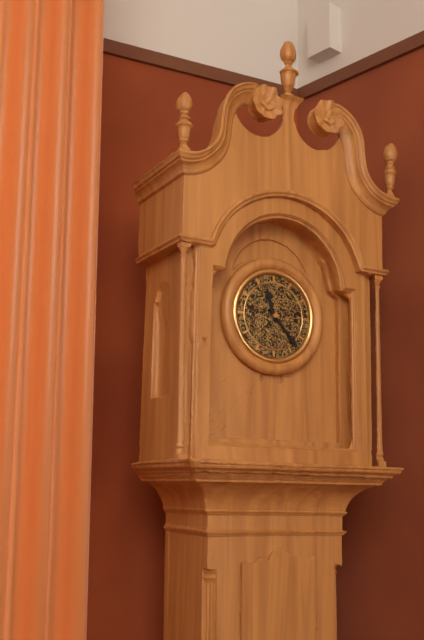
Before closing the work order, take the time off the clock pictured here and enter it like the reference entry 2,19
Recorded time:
11,23
